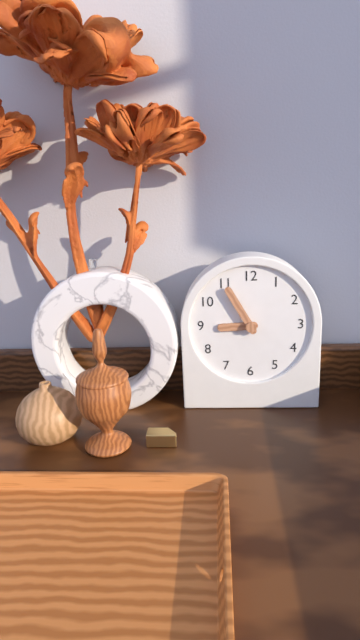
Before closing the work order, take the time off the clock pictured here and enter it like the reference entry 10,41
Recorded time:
8,55
